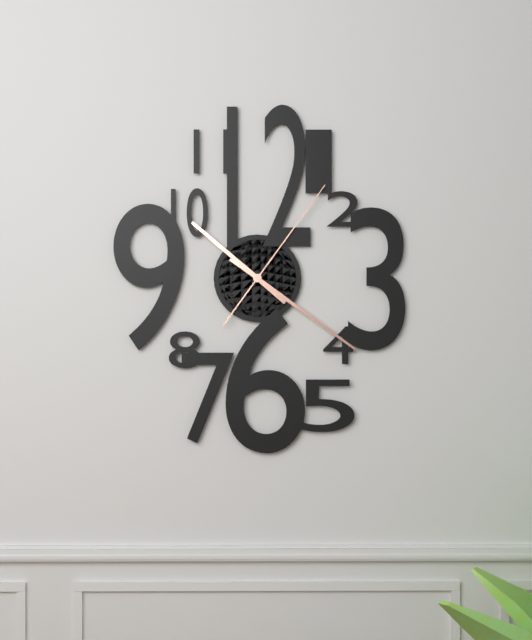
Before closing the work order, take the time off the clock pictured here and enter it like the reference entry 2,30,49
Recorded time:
10,21,06
